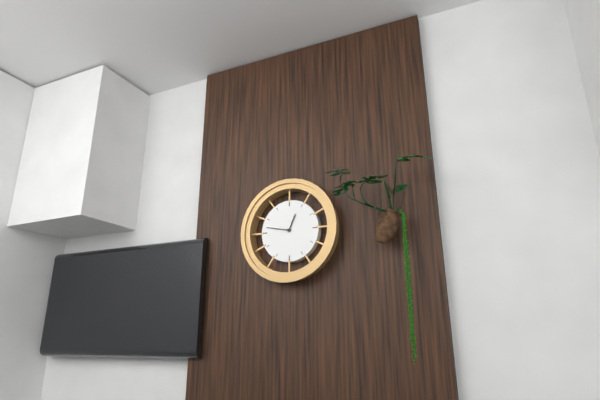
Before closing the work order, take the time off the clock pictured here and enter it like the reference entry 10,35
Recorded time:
12,47
